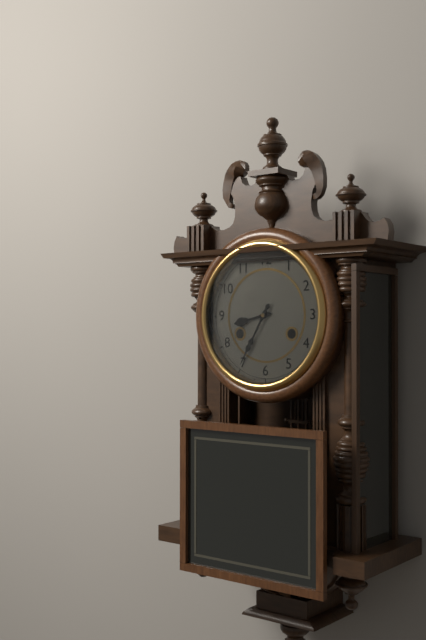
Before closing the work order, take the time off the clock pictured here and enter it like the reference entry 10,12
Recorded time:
8,35
